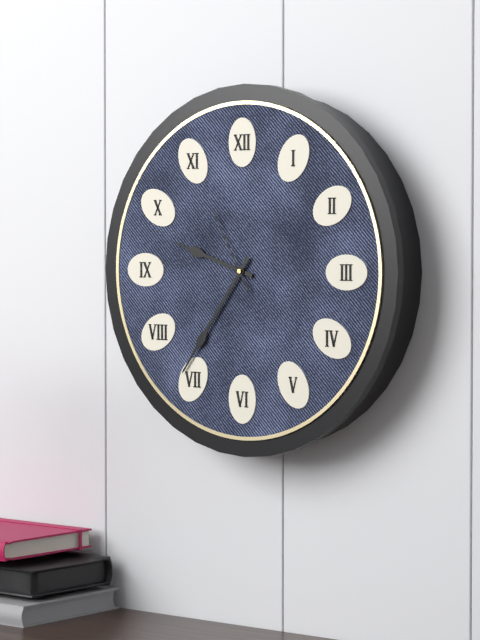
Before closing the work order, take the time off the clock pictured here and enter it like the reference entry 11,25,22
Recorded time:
9,36,55
